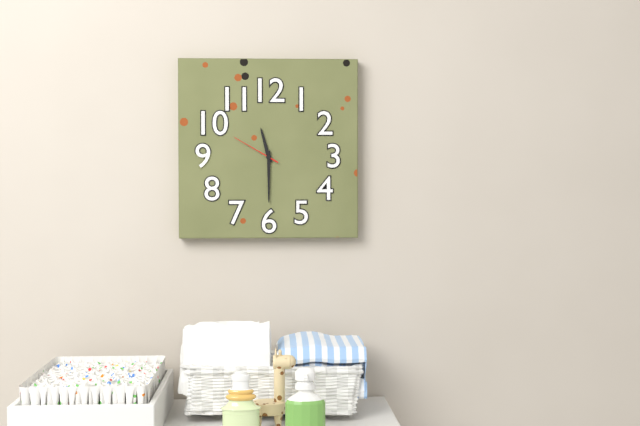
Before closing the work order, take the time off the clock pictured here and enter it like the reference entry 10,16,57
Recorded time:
11,30,50
